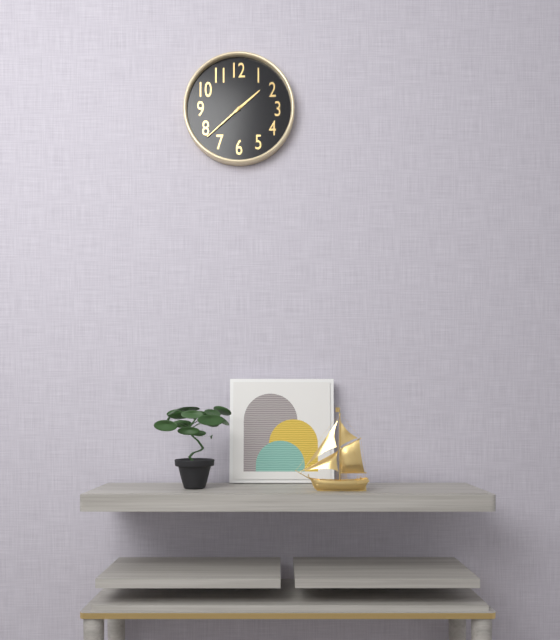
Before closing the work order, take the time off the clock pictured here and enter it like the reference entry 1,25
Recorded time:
1,38
